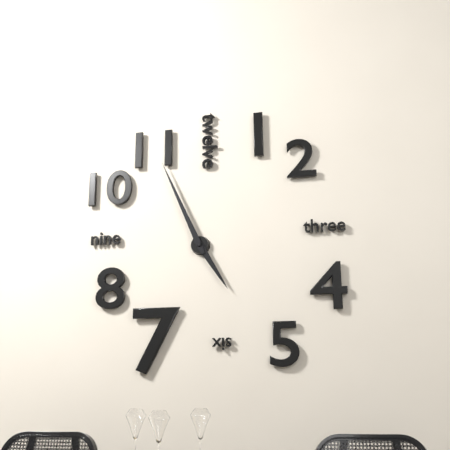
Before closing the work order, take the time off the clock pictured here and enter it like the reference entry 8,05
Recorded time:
4,56
